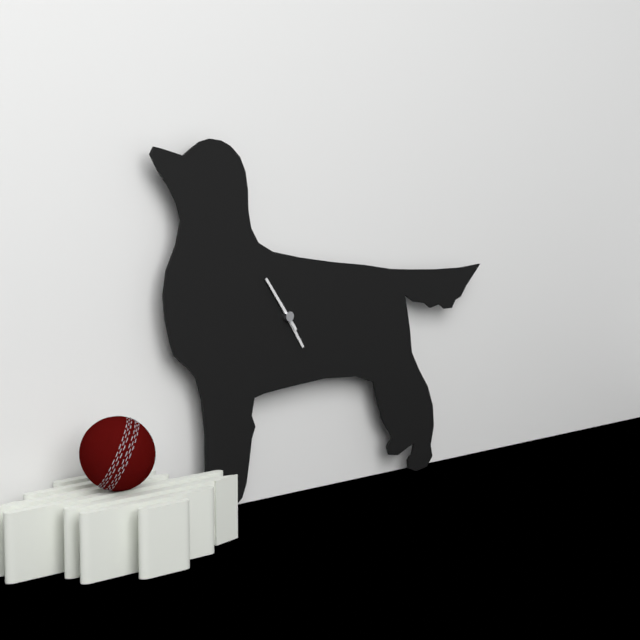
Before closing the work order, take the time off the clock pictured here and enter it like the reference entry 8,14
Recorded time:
4,54
